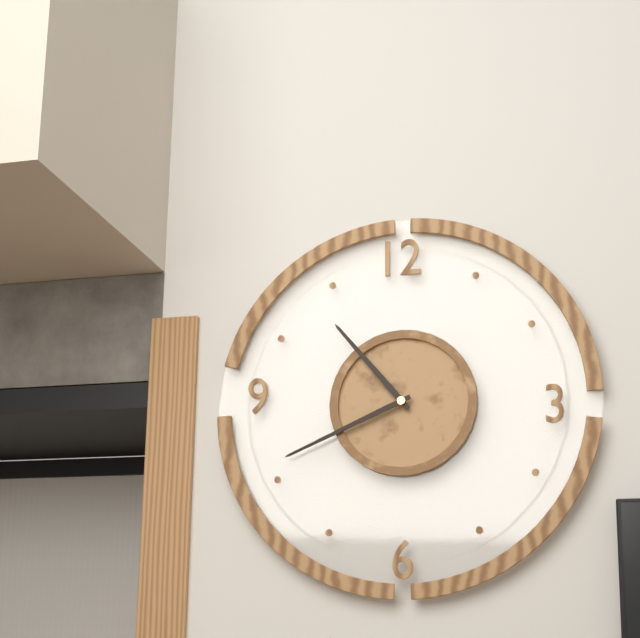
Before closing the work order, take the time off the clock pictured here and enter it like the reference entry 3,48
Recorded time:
10,41
